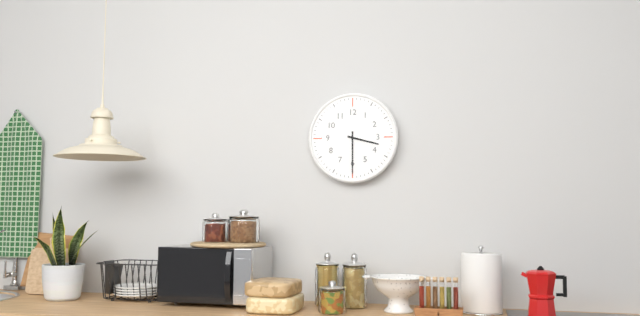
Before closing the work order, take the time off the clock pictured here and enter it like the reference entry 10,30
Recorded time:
3,30
